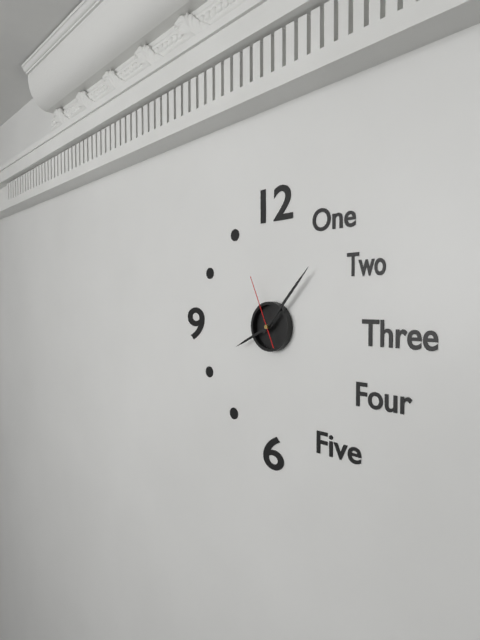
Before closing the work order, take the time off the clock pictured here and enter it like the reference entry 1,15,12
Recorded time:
8,07,56
